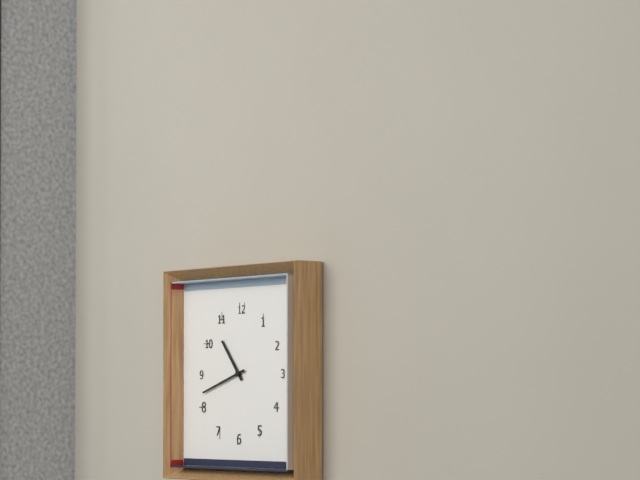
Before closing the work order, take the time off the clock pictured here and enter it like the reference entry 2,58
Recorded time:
10,42
